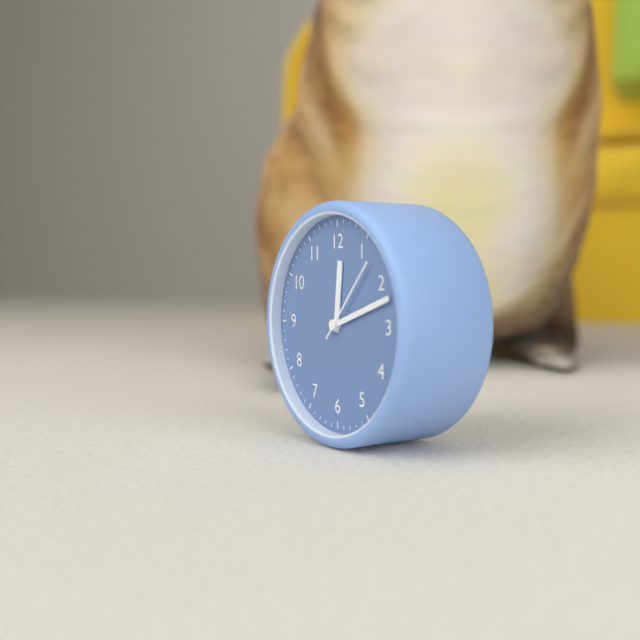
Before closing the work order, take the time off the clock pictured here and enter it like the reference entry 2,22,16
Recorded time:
12,12,07
